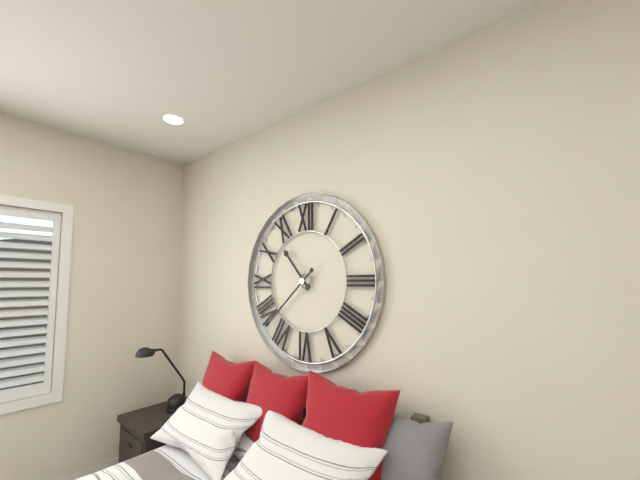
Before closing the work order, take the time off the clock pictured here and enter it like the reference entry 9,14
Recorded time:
10,38
